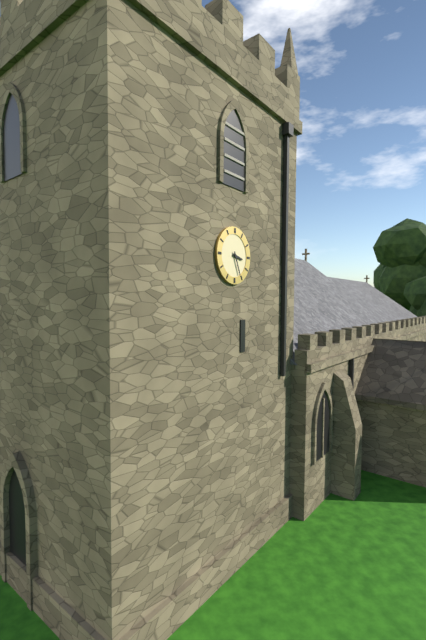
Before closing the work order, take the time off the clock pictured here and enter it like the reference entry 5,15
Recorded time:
3,26
